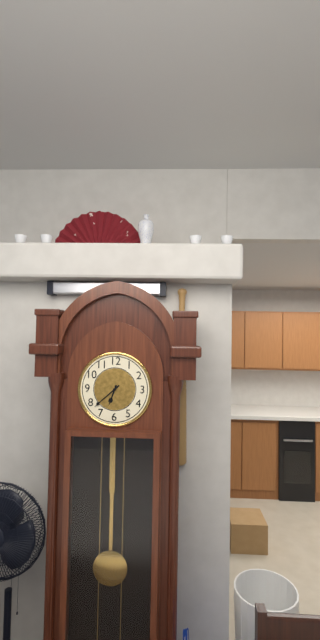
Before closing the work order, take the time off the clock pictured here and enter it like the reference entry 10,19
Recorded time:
6,38
